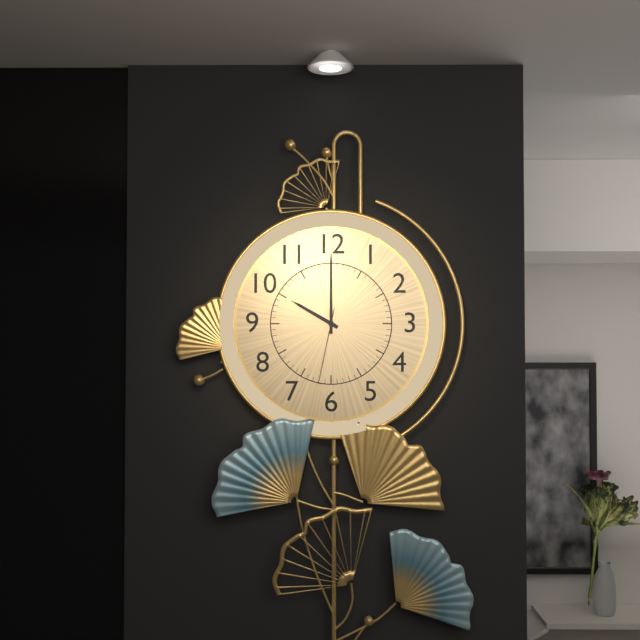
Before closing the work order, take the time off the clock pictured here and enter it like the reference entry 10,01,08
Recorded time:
10,00,32
